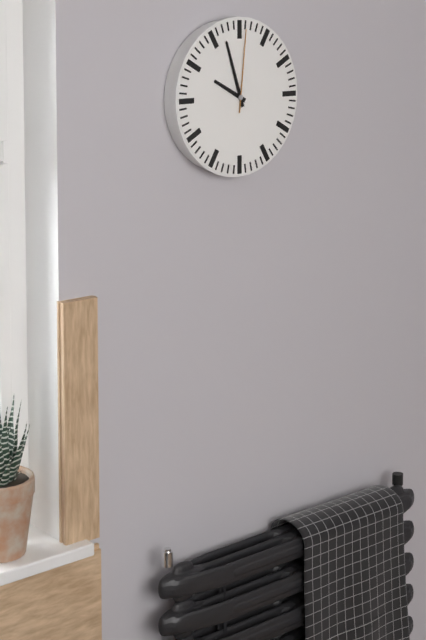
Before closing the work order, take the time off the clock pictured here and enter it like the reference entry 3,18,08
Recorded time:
9,57,01
